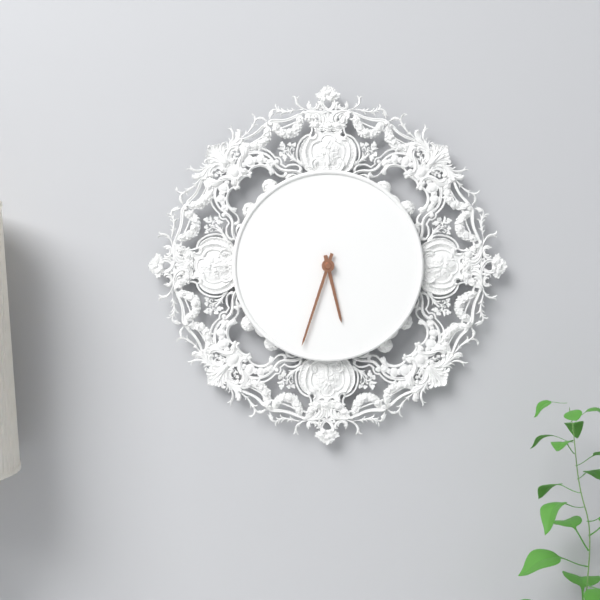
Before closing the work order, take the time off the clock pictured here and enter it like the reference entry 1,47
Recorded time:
5,33
